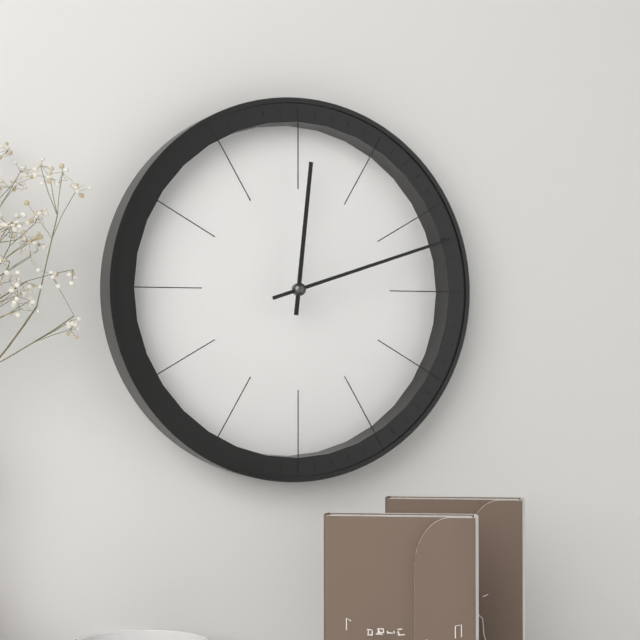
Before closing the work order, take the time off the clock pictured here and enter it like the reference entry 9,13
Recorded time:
12,12
